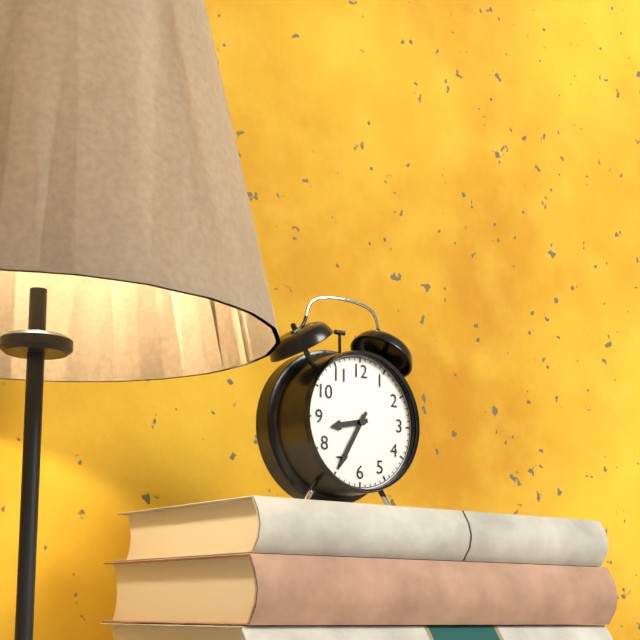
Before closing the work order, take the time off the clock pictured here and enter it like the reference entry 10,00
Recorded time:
8,35
